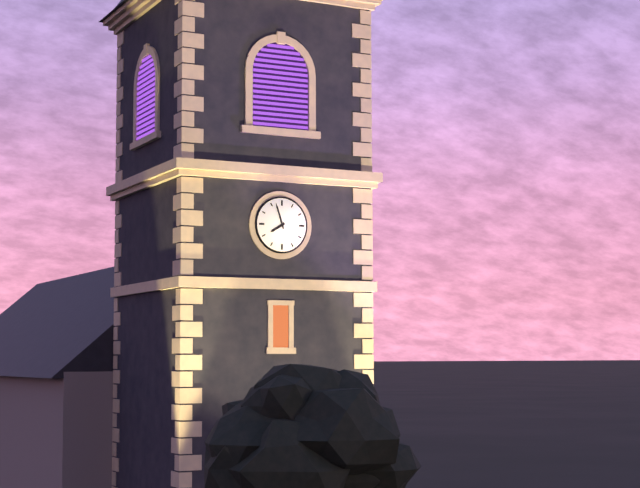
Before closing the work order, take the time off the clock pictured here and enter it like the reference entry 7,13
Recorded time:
7,57
